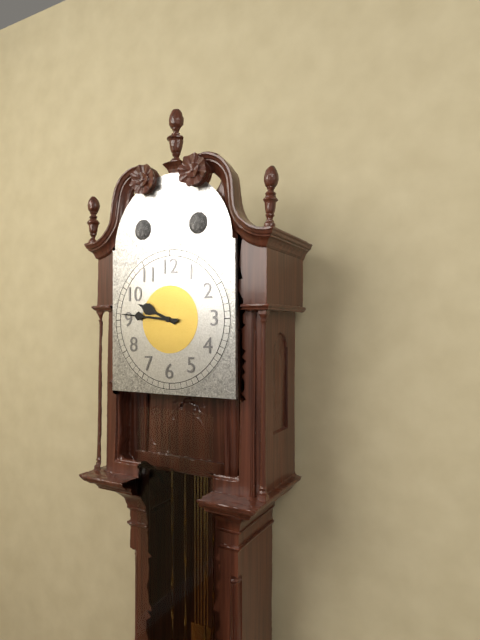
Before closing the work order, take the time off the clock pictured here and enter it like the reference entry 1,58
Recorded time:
9,46
